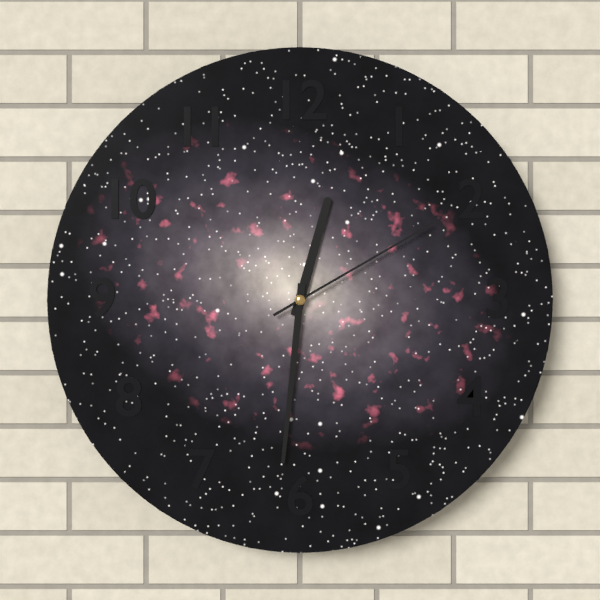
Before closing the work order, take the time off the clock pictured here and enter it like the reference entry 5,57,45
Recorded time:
12,31,10
